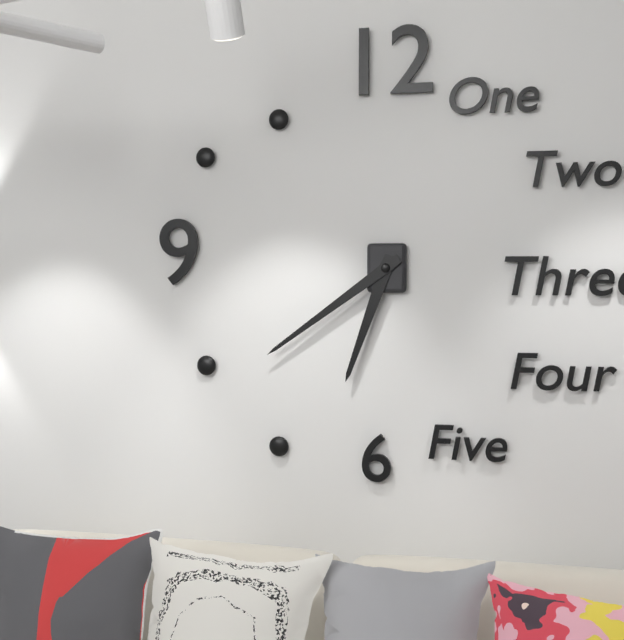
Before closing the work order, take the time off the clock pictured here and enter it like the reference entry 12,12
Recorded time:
6,39
